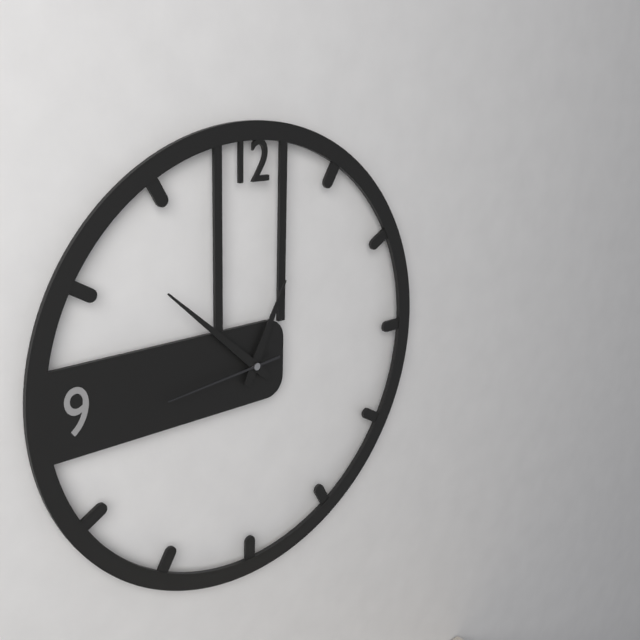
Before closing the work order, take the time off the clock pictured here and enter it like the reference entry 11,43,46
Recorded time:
12,52,44
